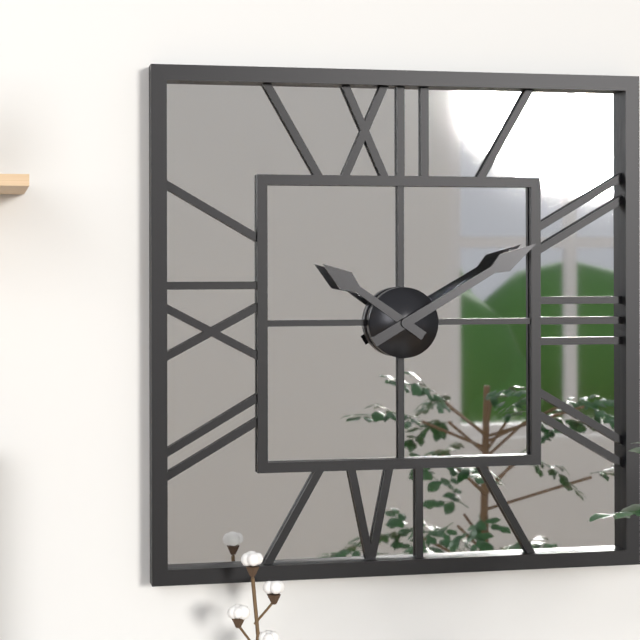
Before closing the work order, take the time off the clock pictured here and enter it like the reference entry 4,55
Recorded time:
10,10
